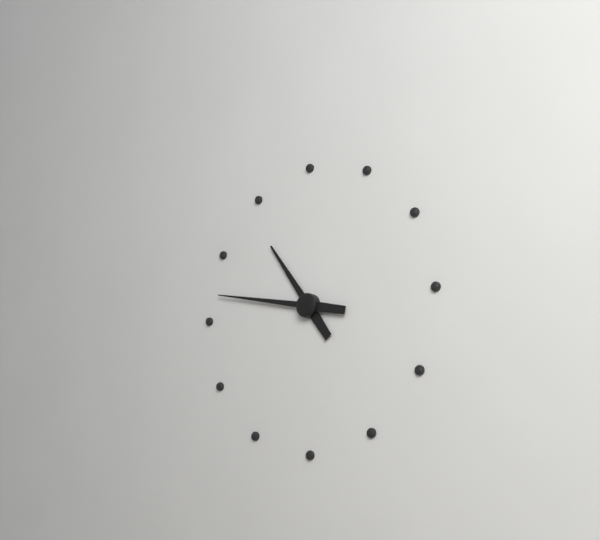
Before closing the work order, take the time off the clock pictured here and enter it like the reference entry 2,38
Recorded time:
10,47
